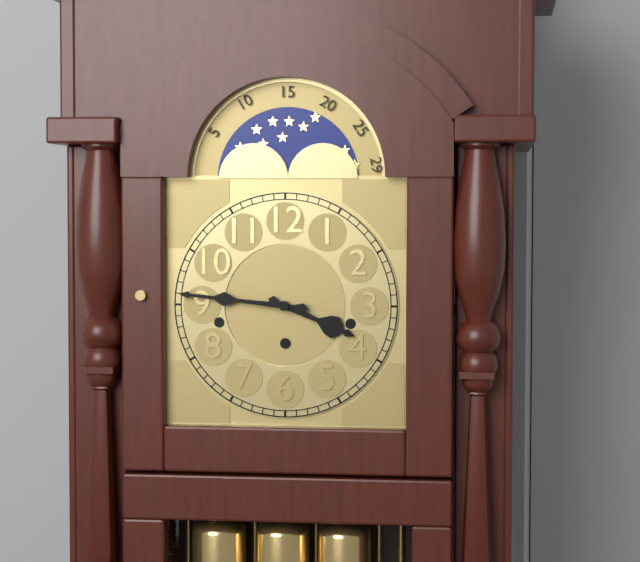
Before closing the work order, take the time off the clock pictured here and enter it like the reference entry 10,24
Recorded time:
3,46
